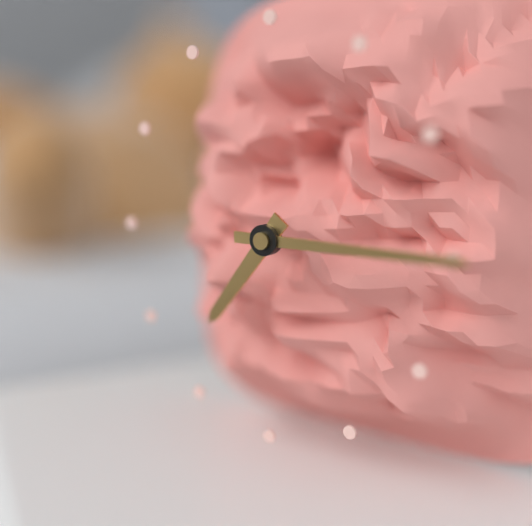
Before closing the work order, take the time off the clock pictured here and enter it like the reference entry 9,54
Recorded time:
7,15
